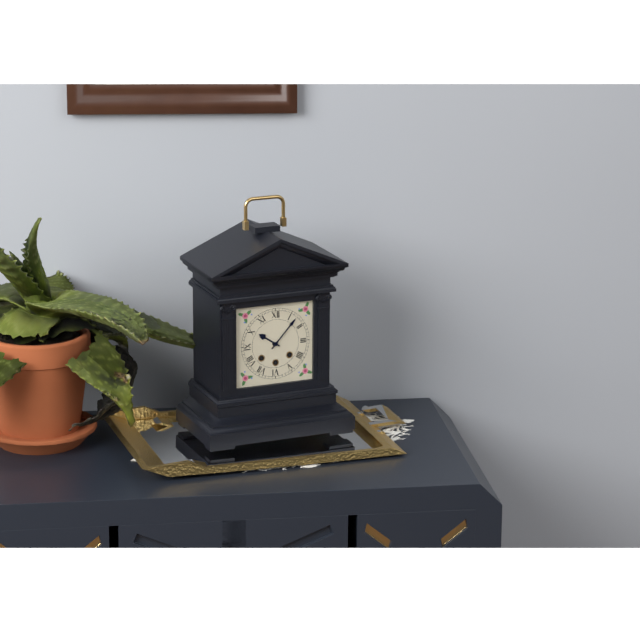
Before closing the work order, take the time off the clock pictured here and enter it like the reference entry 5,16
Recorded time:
10,07
